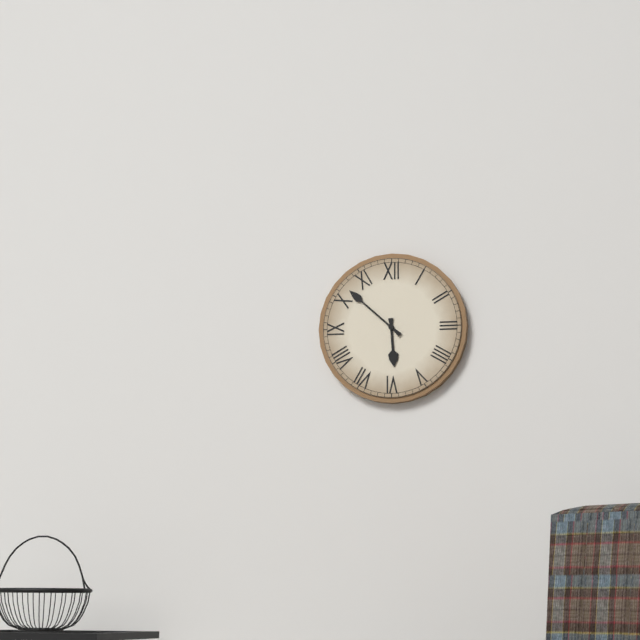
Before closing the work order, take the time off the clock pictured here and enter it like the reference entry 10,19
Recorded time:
5,52
